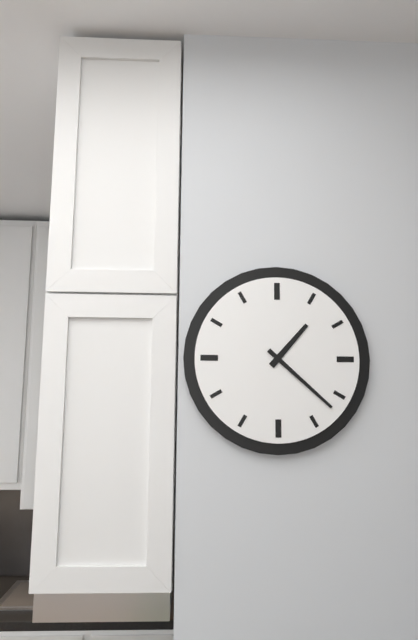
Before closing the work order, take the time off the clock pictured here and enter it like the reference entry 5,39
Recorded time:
1,22
